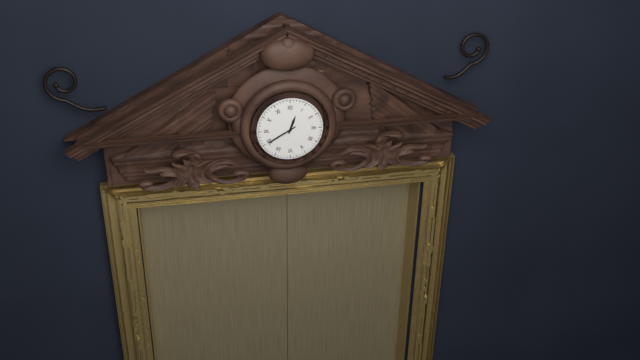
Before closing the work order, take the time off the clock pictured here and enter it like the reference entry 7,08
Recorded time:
12,40
